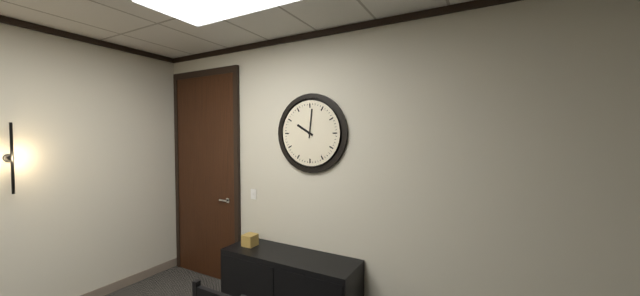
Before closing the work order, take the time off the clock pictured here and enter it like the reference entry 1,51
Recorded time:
10,01
